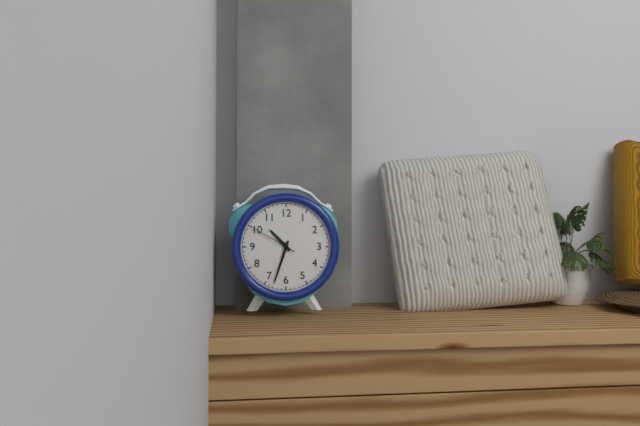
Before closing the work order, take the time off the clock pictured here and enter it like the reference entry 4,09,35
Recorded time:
10,33,50
